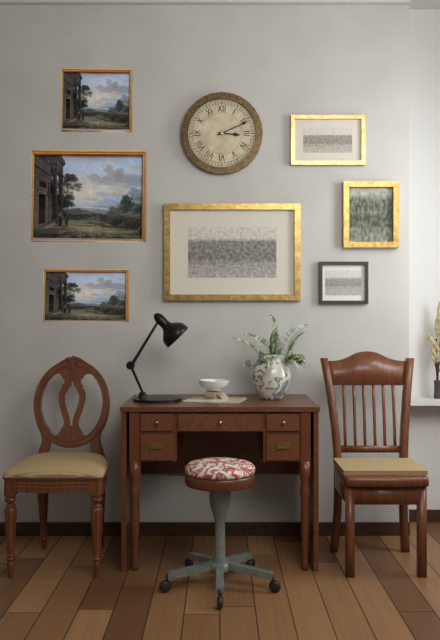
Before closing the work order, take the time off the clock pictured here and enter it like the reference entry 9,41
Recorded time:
3,11
